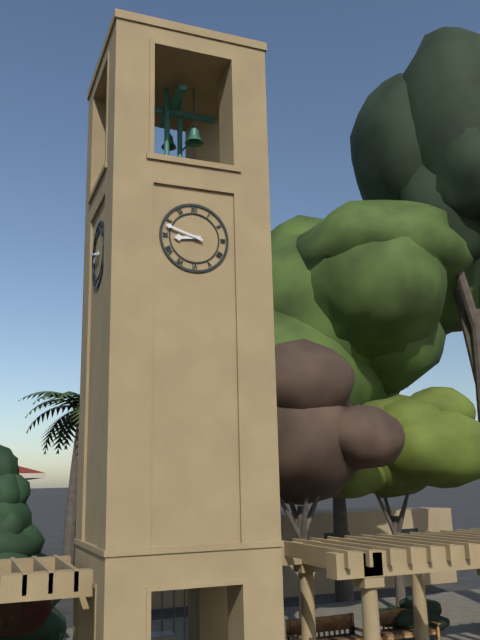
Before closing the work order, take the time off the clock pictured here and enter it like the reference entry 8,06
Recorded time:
8,48
